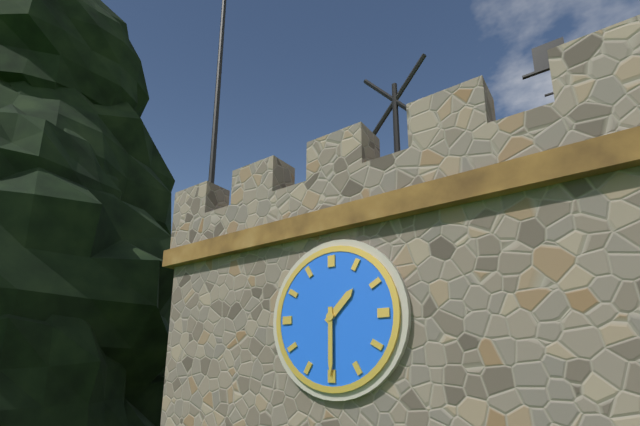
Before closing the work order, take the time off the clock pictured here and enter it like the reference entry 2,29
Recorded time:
1,30
